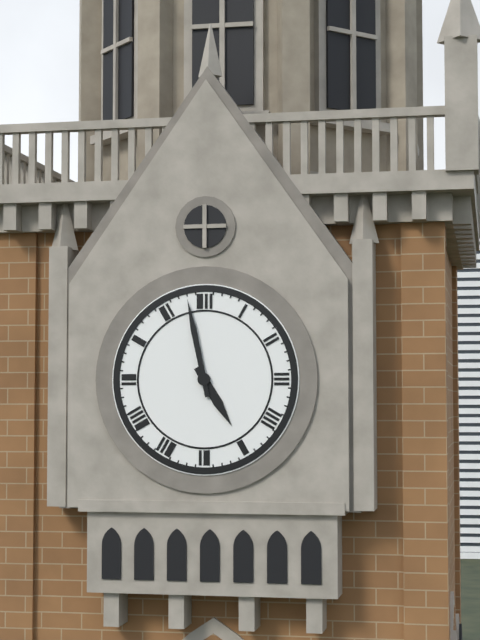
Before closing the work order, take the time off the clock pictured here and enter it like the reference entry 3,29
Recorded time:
4,58
